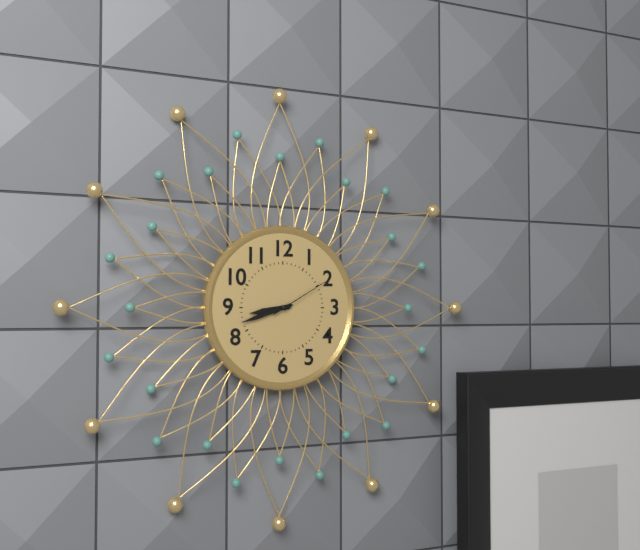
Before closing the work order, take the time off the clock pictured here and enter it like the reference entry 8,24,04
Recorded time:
8,42,10
